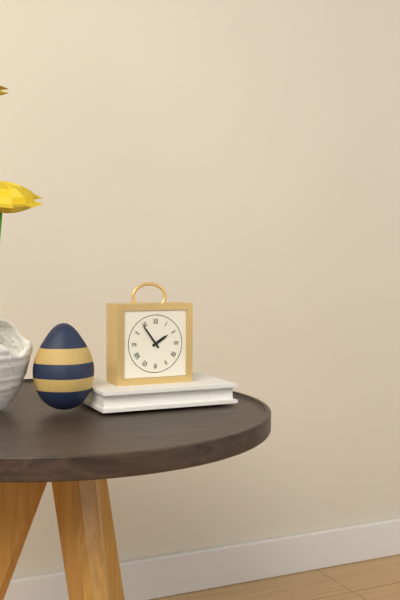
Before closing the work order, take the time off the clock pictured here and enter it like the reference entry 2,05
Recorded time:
1,54
